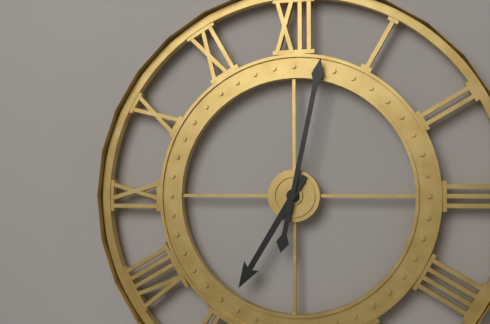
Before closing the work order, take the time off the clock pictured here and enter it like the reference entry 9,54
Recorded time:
7,02
